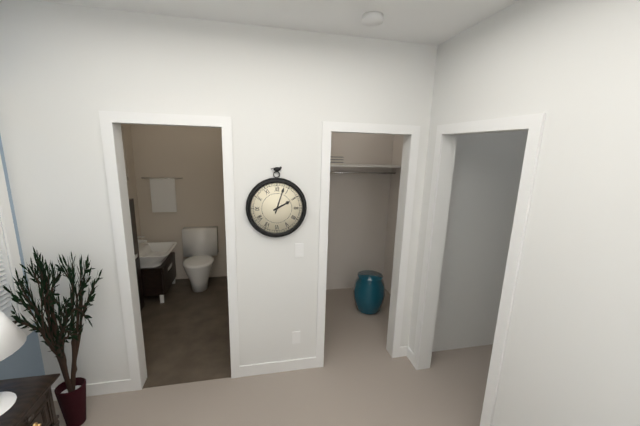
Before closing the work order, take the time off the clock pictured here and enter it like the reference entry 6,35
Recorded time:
2,03
